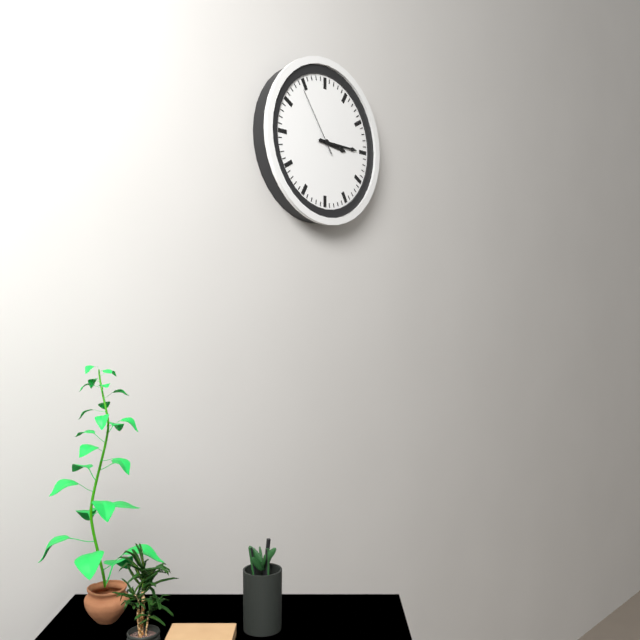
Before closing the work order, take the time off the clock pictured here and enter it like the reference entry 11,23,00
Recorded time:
3,15,54
